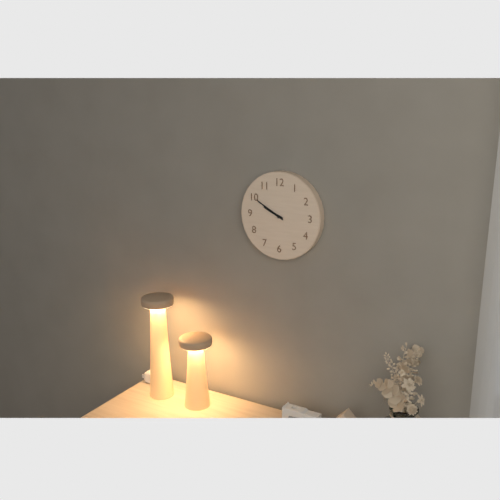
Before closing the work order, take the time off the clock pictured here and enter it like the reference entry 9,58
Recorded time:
9,50
